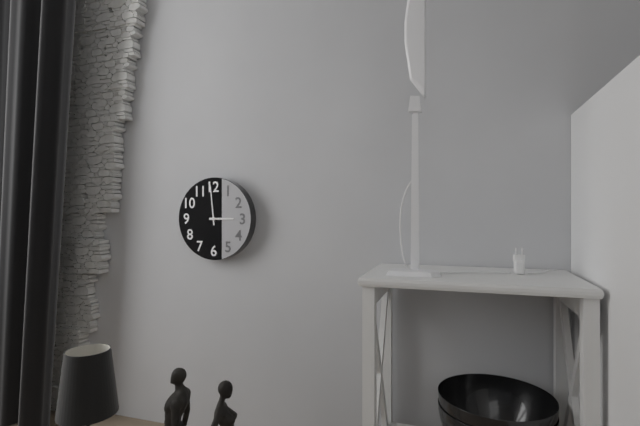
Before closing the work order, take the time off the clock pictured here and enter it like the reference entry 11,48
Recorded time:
2,59
